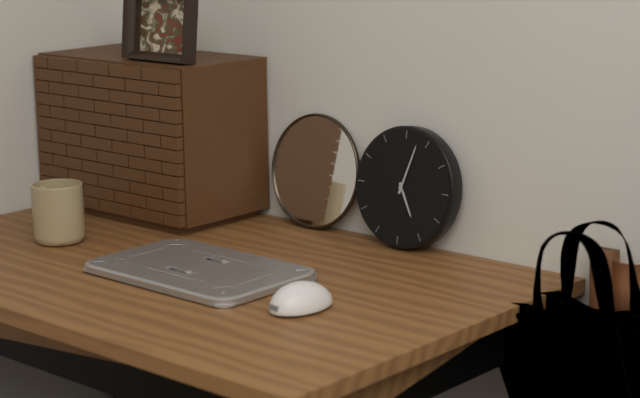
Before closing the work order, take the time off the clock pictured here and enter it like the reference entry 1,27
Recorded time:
5,03
